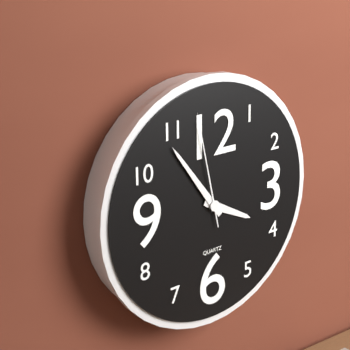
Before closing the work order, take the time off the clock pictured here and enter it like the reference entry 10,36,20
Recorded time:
3,54,58
